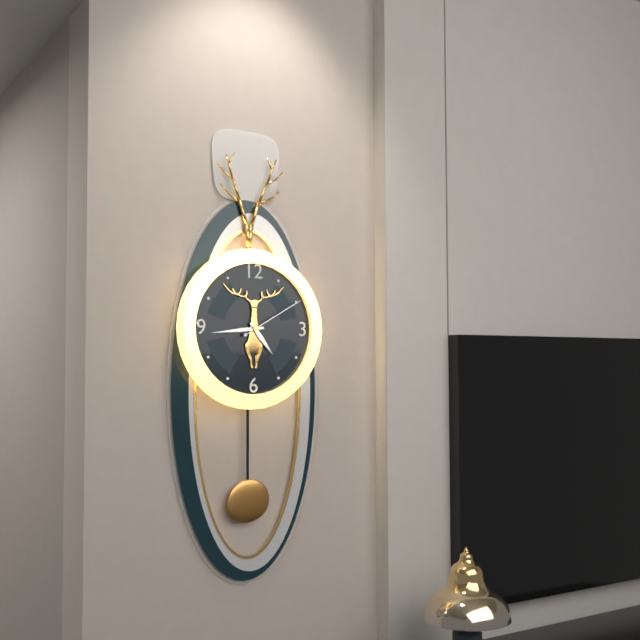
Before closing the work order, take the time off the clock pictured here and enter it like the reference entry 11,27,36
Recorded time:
4,44,10
